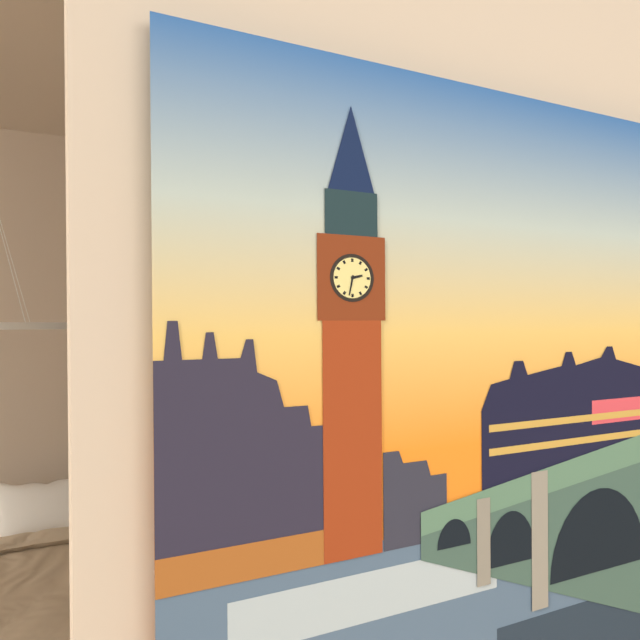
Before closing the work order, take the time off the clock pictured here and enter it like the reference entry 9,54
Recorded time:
2,32
